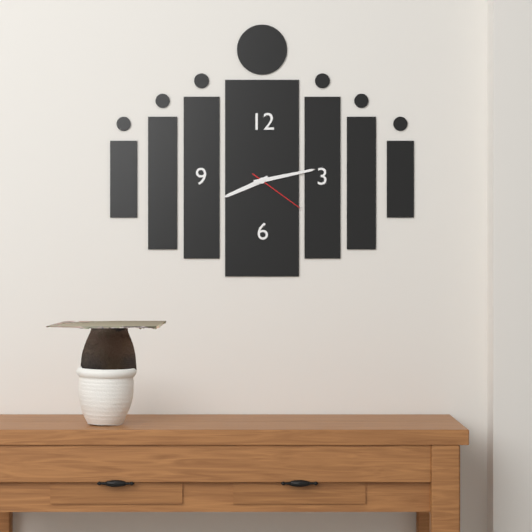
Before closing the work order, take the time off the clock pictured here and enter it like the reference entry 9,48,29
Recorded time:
8,13,21
